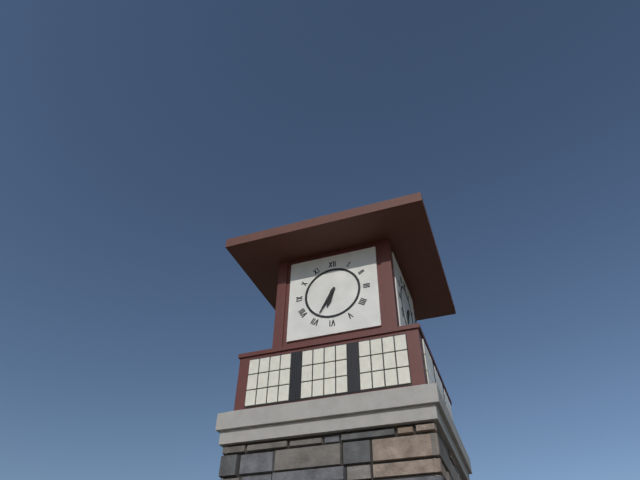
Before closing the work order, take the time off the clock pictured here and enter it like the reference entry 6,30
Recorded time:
6,35
